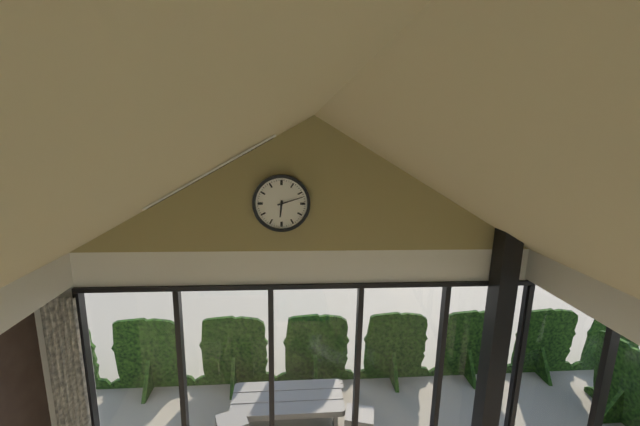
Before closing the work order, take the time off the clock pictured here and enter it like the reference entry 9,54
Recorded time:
6,12
